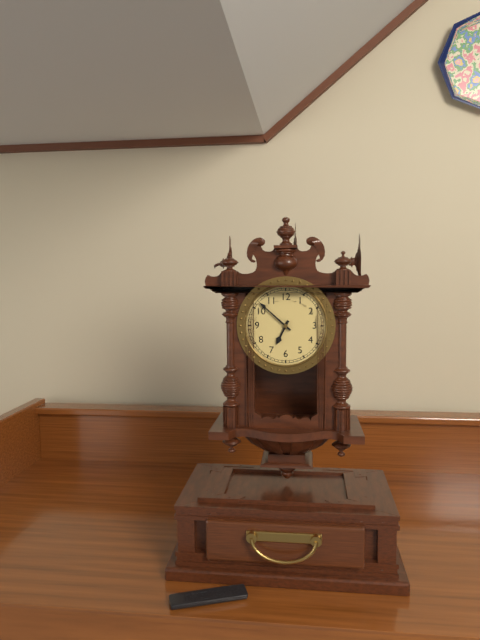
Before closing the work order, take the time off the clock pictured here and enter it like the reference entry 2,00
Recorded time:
6,52
